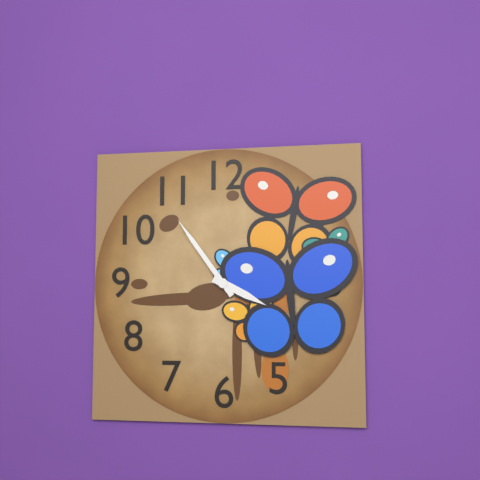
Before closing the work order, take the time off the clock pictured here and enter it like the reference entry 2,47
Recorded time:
3,54
